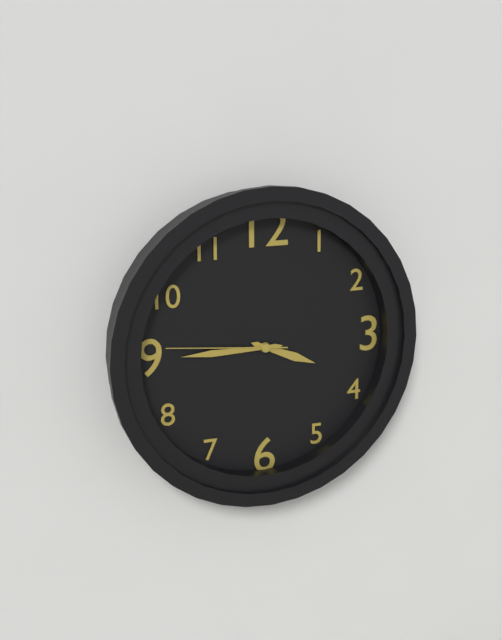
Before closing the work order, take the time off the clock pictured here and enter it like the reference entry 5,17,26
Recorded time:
3,45,46
